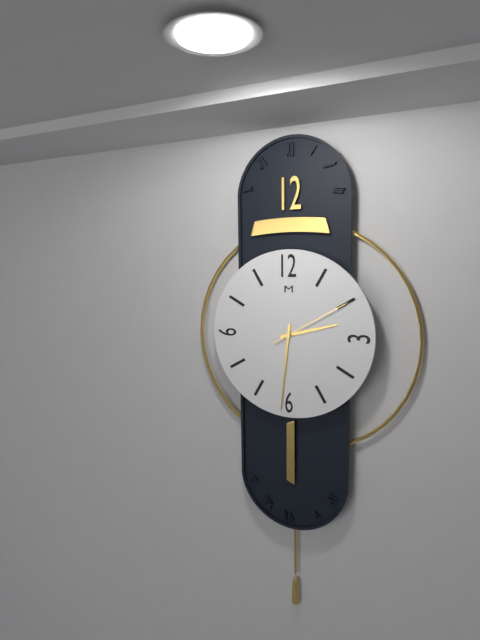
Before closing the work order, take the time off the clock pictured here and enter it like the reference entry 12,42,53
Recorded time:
2,31,10
